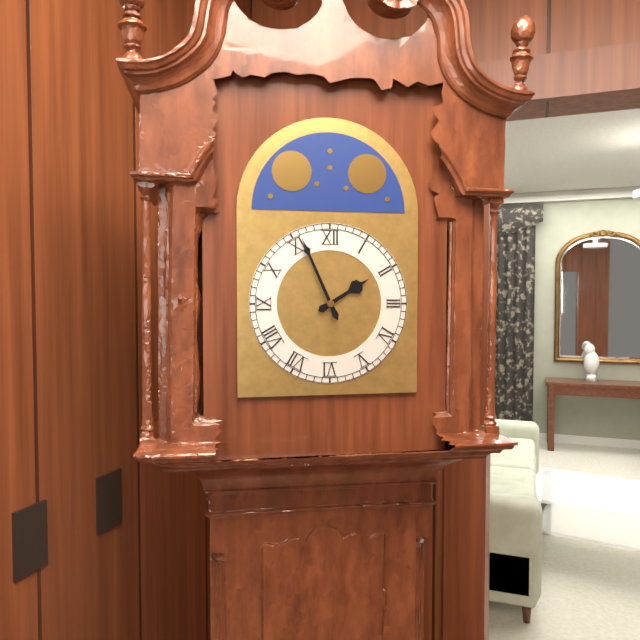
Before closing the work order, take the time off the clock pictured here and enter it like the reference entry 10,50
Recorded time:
1,56
